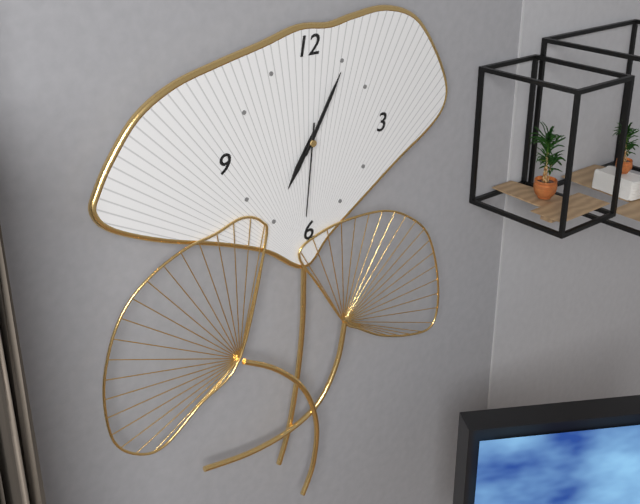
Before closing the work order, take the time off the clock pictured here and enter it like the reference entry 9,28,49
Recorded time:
7,05,31
